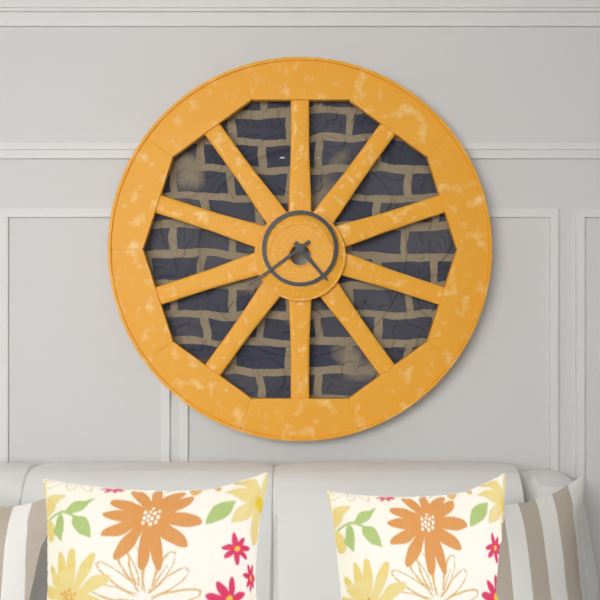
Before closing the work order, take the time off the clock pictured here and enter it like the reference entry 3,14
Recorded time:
4,39
